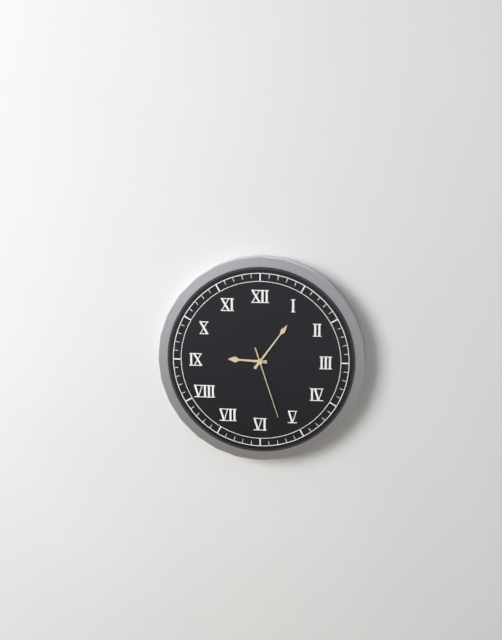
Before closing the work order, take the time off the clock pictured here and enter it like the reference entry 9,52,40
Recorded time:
9,06,27
